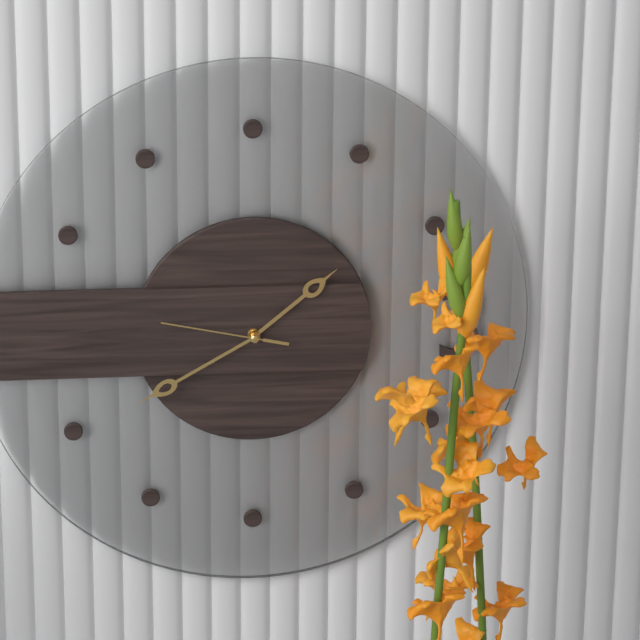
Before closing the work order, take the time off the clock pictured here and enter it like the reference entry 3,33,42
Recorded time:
1,40,47
